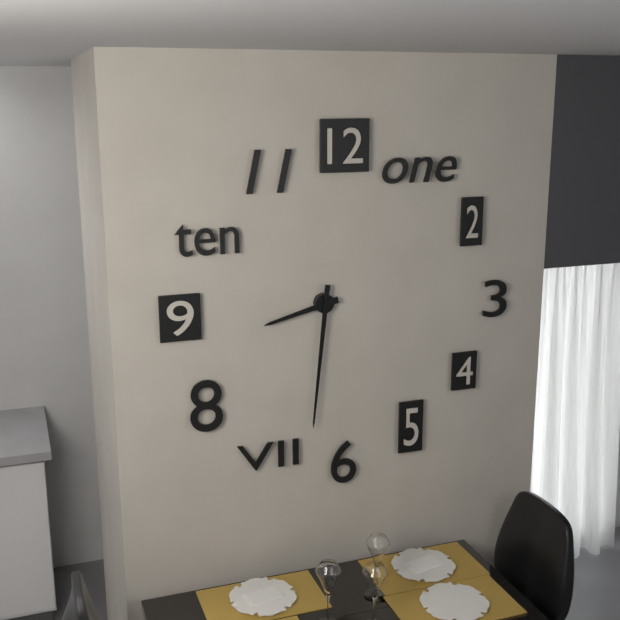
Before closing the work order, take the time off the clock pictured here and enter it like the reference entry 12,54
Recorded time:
8,31
